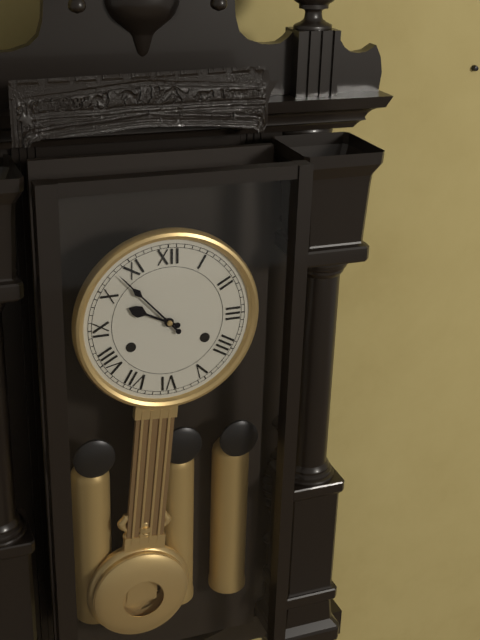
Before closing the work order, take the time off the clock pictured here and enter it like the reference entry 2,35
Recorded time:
9,53
